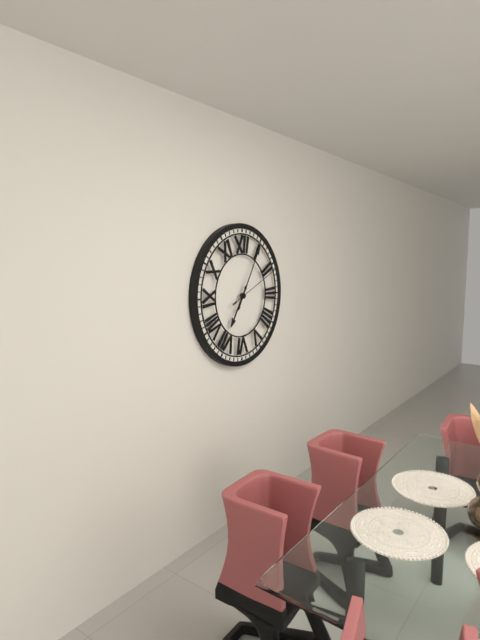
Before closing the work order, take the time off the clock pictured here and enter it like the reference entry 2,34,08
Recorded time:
7,05,11
